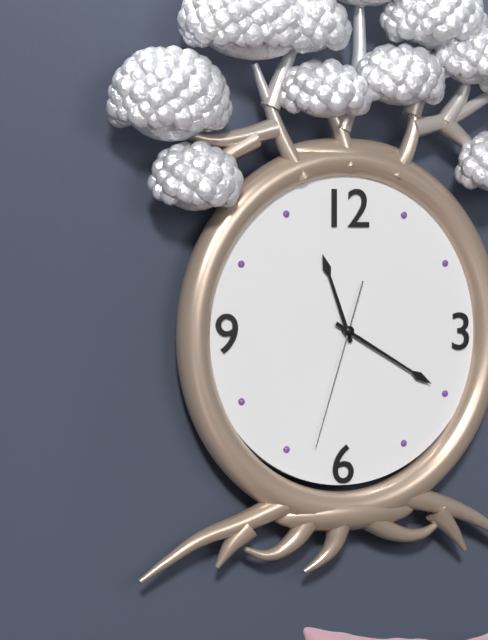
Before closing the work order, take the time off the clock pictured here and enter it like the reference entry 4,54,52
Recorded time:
11,20,33
